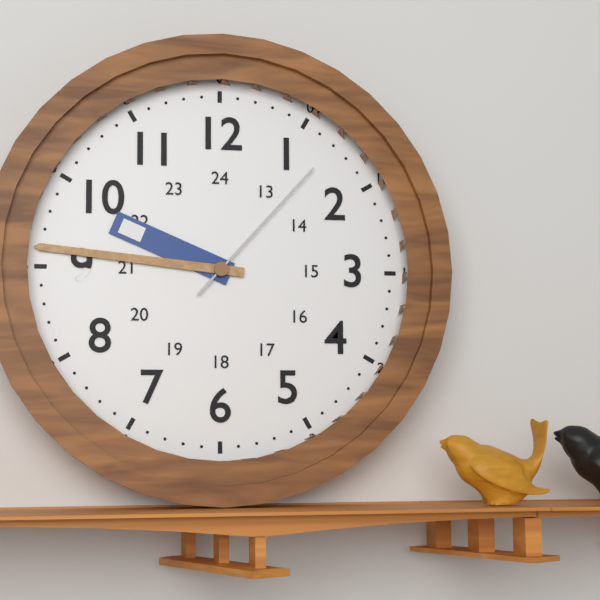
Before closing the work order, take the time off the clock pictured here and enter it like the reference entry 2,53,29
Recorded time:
9,46,07
